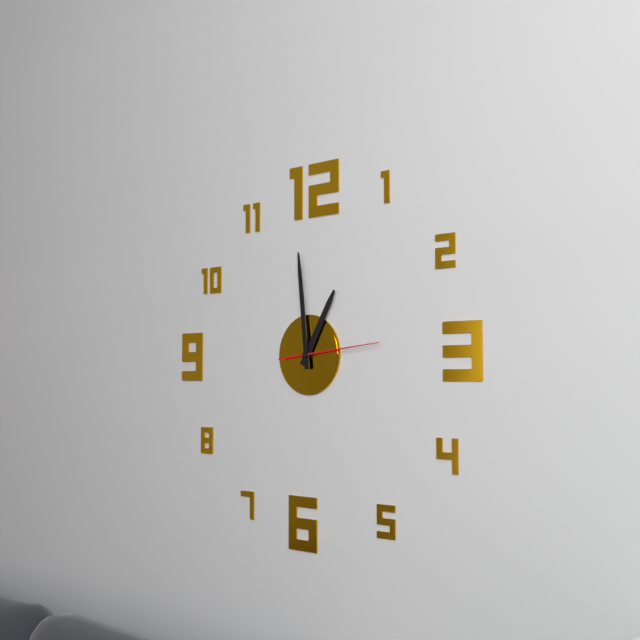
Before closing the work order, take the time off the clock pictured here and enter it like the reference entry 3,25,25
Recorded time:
12,59,14
